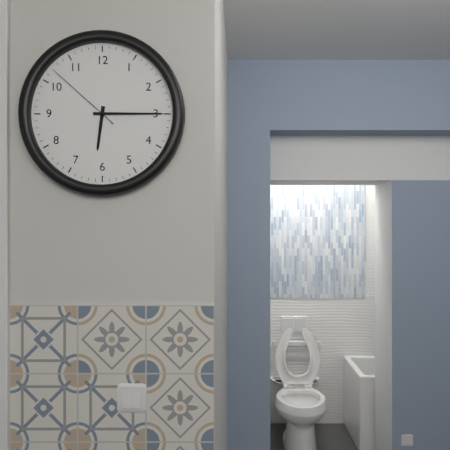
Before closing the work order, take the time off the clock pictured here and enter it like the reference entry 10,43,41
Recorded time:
6,15,52
